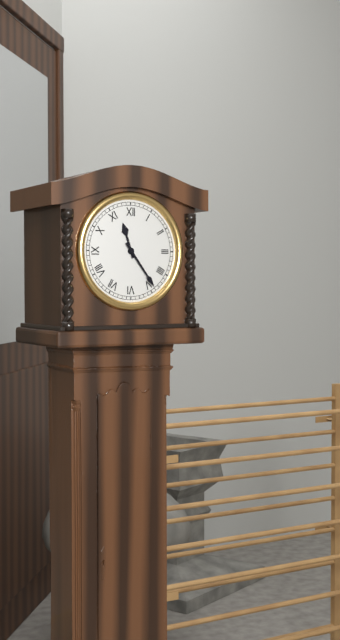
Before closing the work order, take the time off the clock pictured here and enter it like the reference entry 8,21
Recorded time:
11,24
